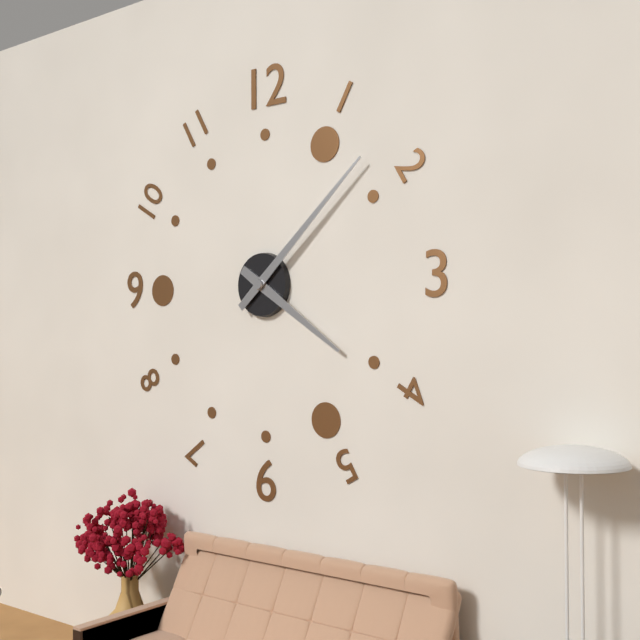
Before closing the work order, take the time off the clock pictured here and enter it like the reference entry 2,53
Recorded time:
4,08
